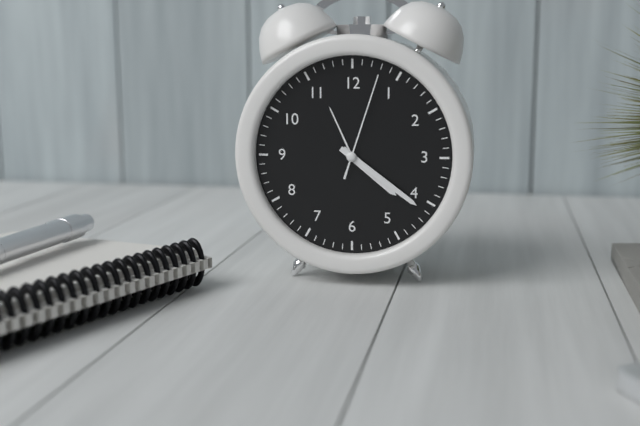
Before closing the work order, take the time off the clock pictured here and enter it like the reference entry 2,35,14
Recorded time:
4,21,03
